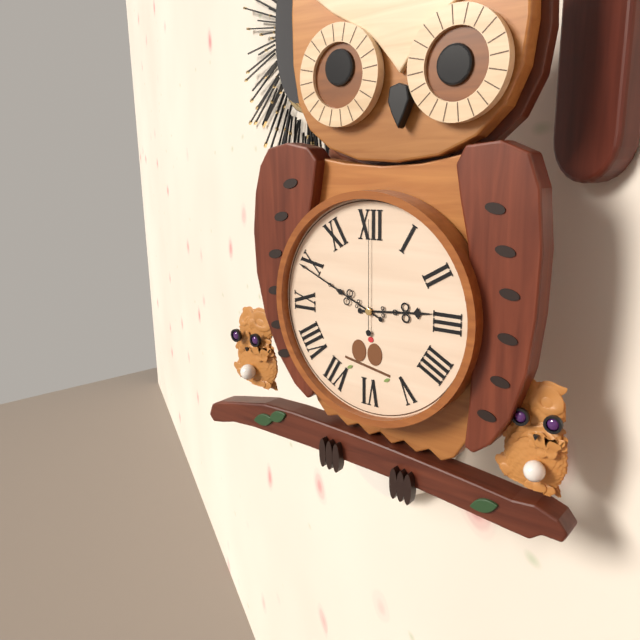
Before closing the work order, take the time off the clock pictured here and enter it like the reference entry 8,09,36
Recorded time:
2,49,00
